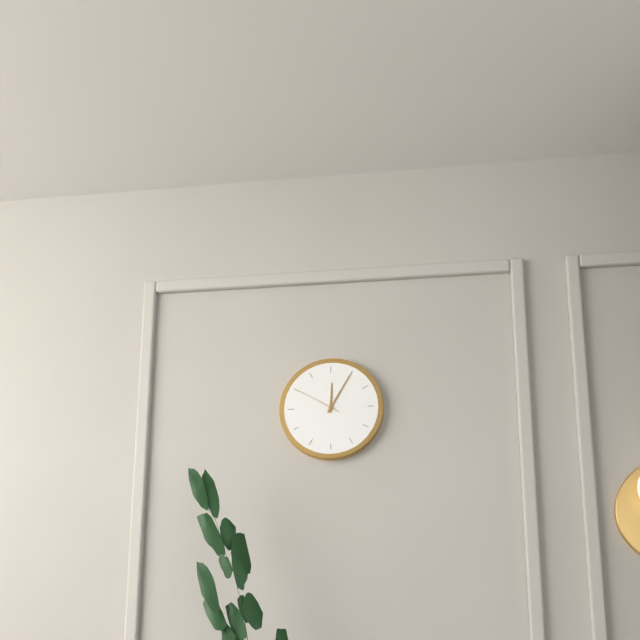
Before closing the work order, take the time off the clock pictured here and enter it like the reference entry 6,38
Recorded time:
12,05
